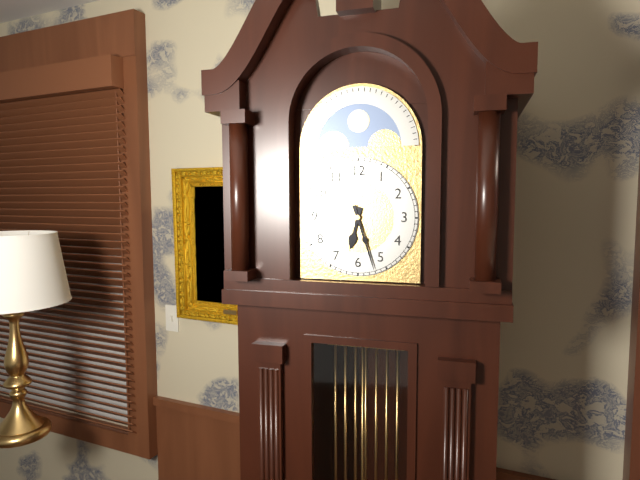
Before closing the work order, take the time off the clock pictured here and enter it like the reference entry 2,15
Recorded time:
6,27
